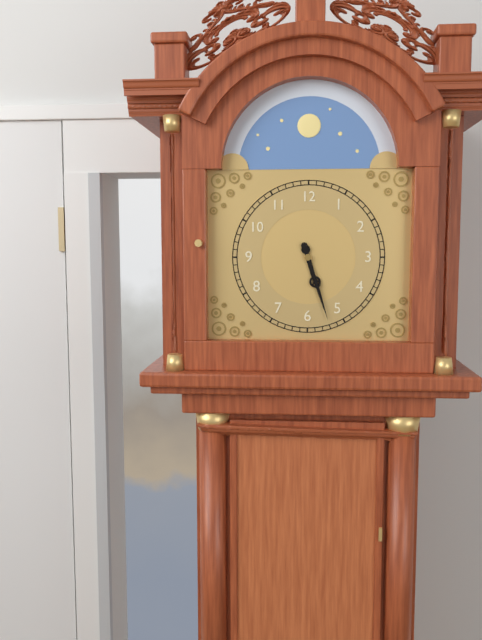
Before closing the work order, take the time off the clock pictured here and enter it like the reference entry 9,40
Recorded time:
5,27
